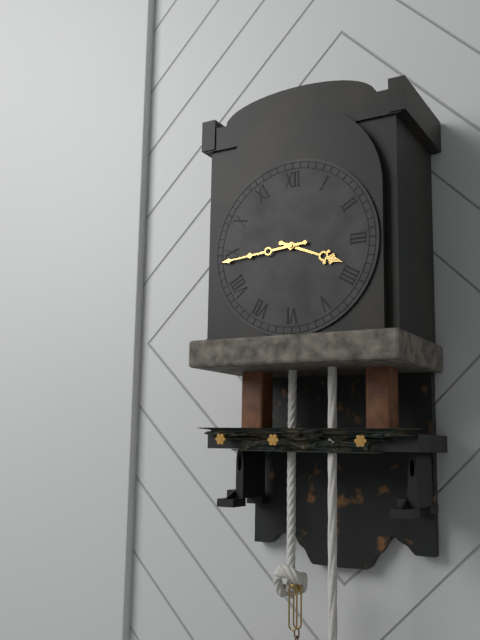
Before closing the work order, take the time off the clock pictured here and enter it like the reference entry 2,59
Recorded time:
3,44
